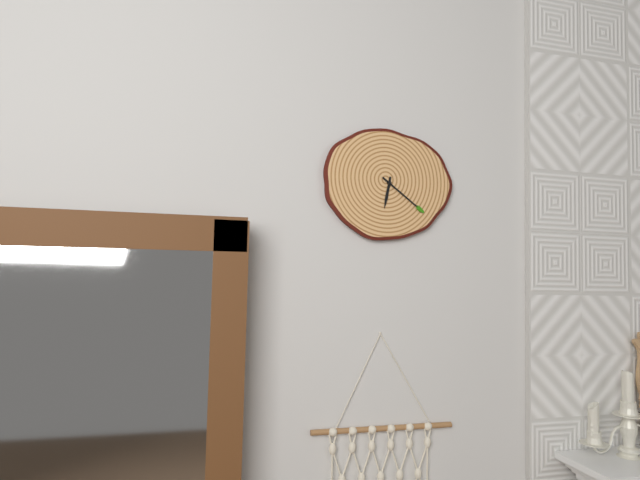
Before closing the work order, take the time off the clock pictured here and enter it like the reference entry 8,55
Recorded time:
6,21
